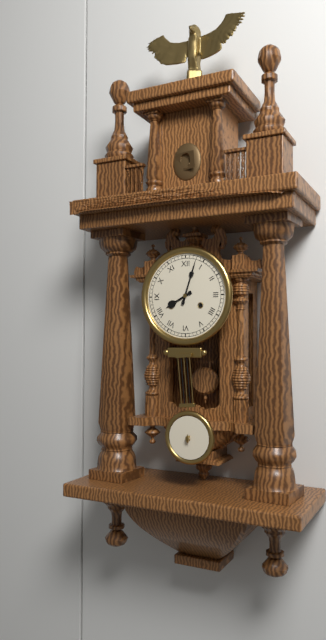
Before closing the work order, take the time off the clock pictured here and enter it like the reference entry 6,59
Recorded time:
8,03
